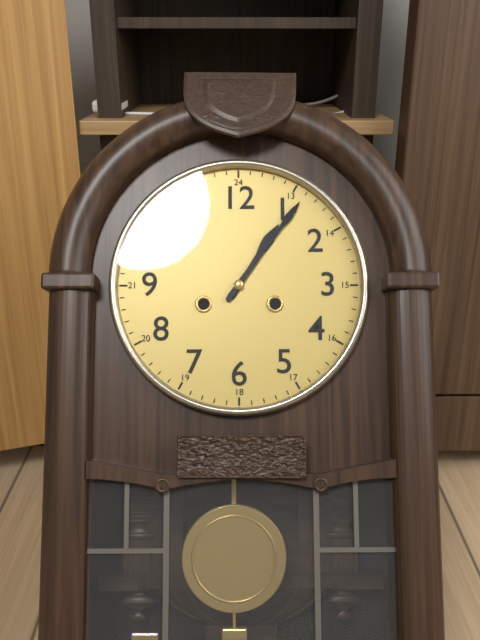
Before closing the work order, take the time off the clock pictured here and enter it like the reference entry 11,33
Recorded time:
1,06
